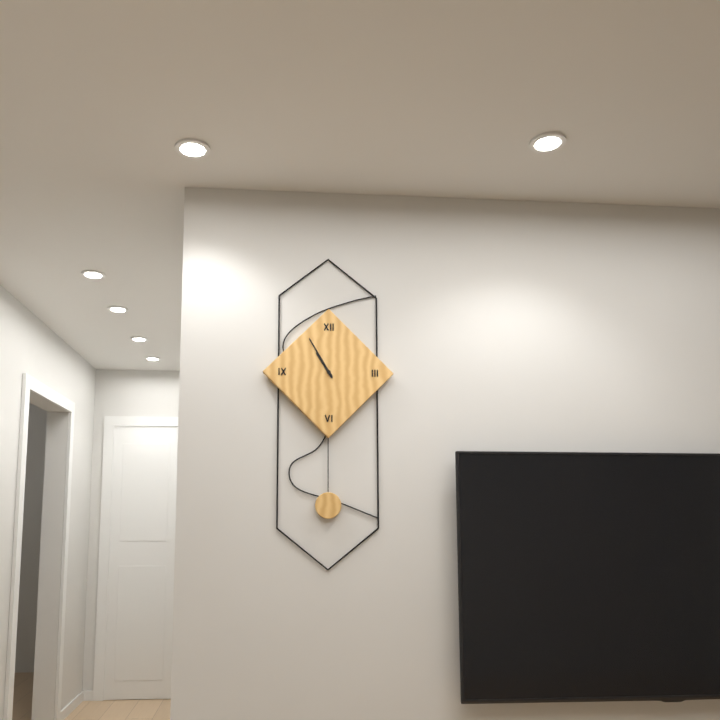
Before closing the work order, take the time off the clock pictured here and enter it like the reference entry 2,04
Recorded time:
10,55
